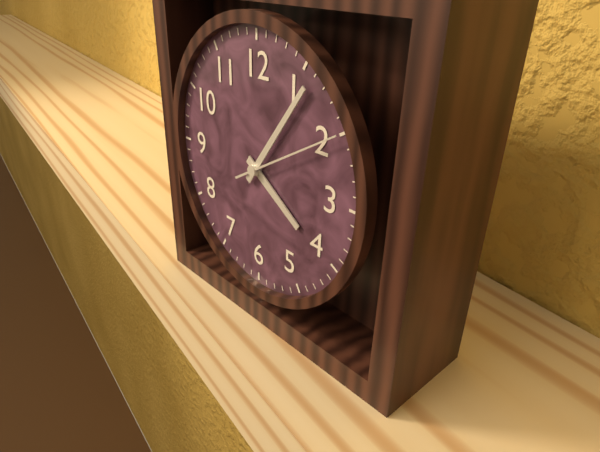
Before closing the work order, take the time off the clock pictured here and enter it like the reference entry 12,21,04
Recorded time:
4,06,10
